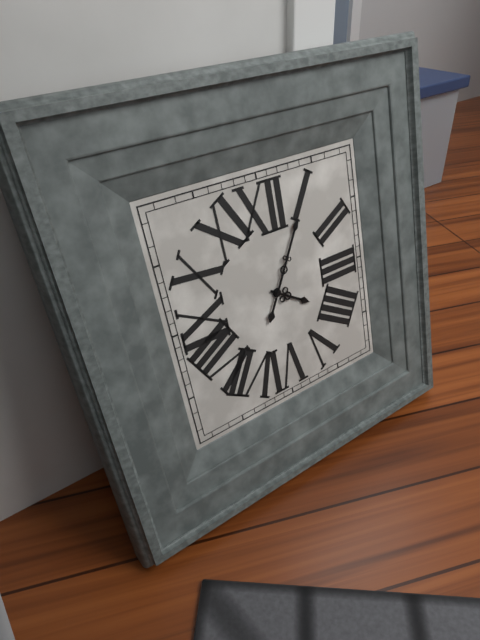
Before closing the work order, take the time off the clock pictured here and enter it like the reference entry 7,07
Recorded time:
4,05
